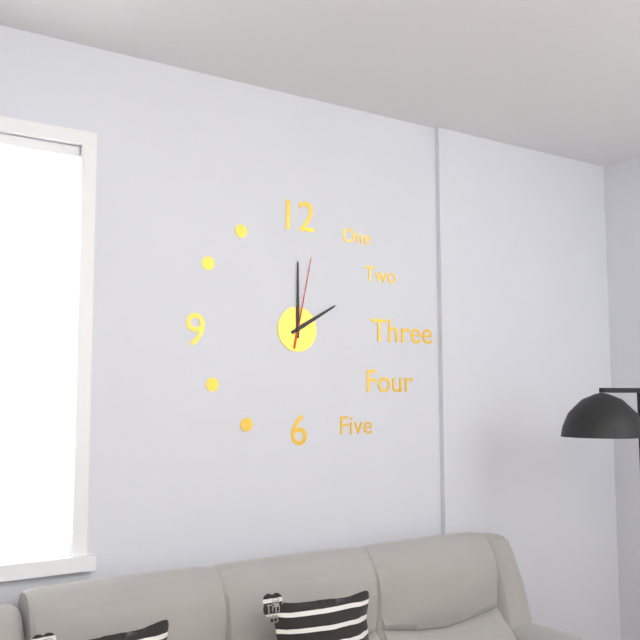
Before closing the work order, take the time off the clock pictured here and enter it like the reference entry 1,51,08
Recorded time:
2,00,02
